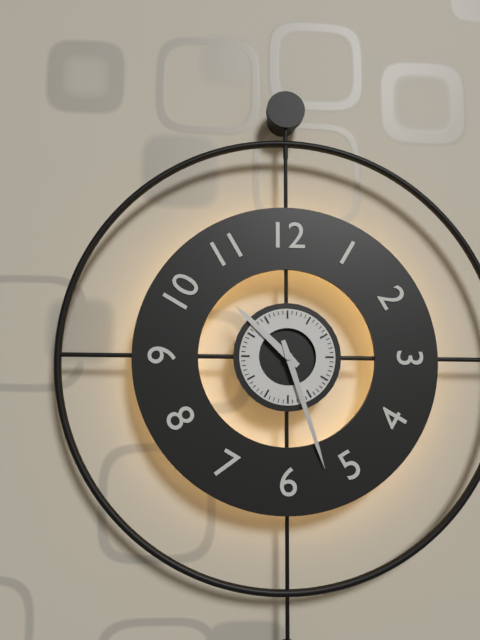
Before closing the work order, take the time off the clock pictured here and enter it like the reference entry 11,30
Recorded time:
10,27
